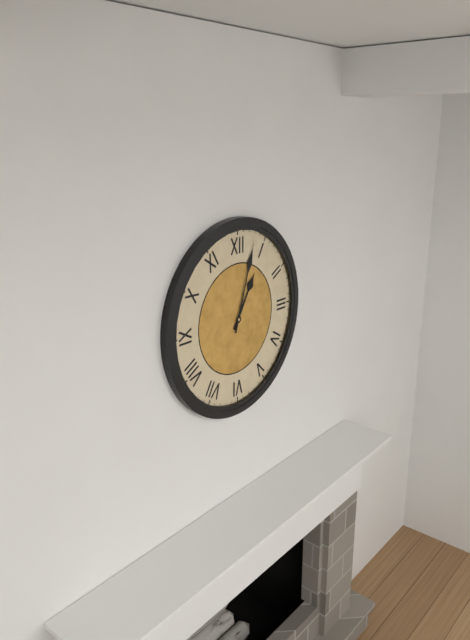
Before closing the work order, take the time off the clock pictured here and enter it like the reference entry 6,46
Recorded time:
1,03
